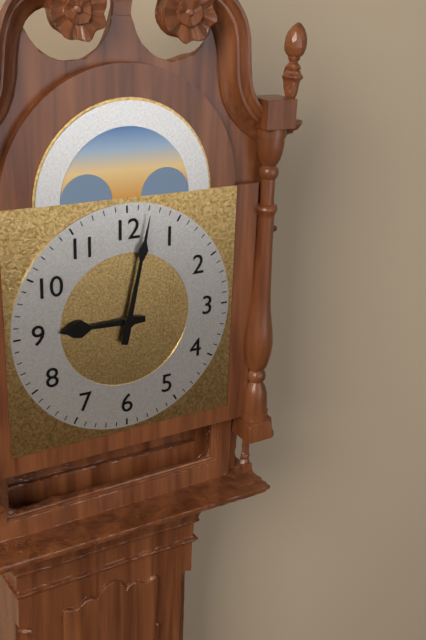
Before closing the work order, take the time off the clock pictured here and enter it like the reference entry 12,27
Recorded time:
9,02
